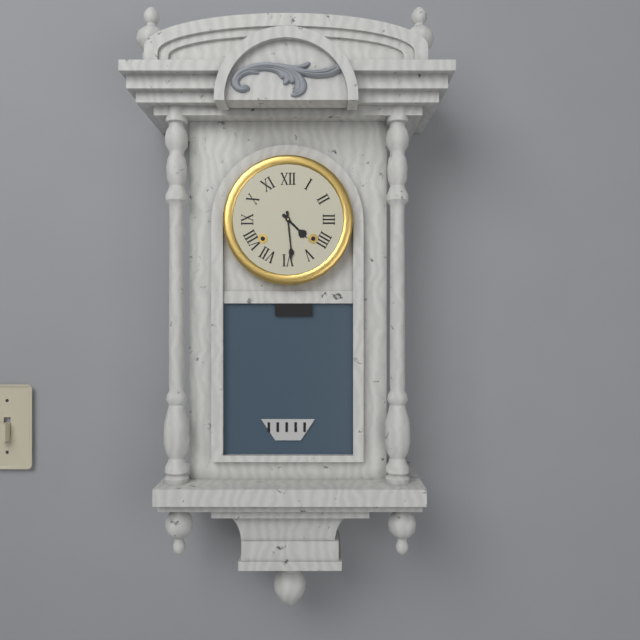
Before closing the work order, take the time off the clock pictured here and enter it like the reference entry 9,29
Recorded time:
4,29
